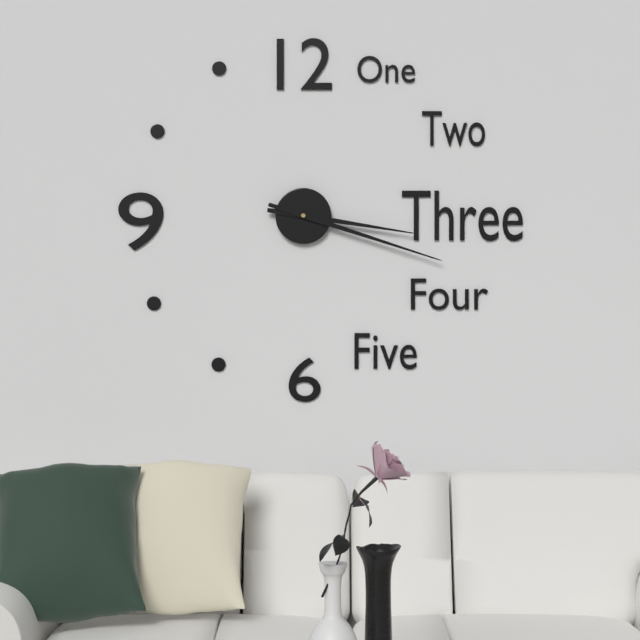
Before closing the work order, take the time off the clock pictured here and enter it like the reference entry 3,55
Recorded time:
3,18
